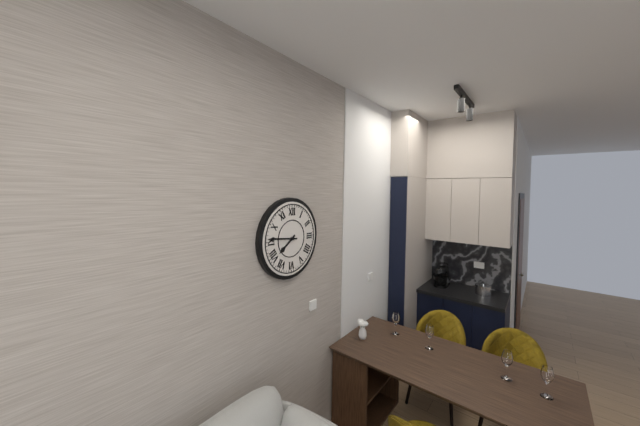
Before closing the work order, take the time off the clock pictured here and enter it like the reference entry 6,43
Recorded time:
7,46
